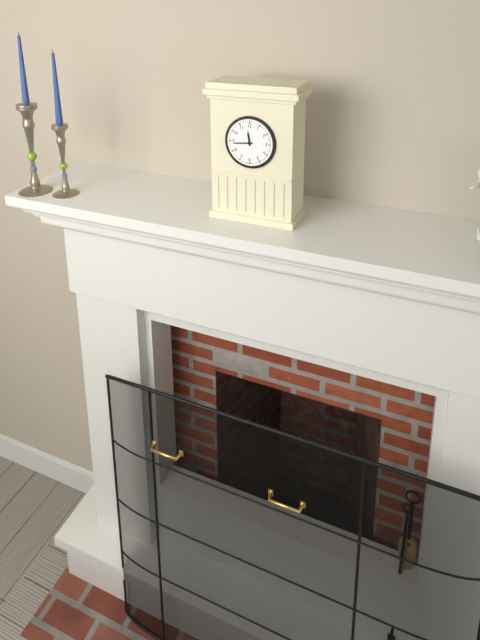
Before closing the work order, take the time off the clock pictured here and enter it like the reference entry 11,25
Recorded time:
11,44
